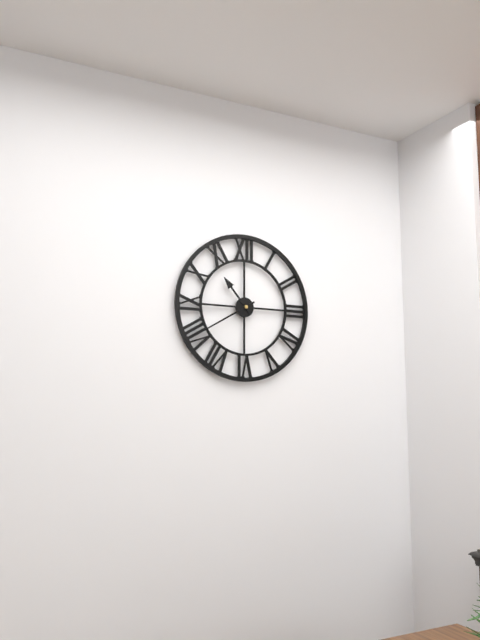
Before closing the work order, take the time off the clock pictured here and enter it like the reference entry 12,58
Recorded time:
10,40
